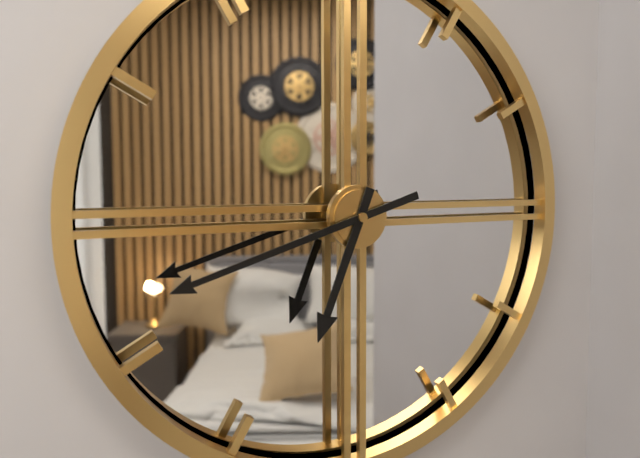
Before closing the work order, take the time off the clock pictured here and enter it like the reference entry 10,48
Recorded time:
6,42
